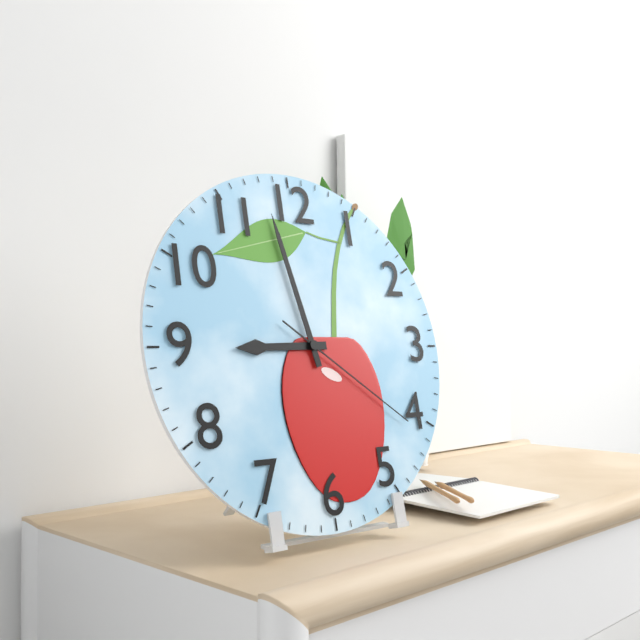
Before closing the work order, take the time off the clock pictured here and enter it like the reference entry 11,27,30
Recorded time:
8,58,21
